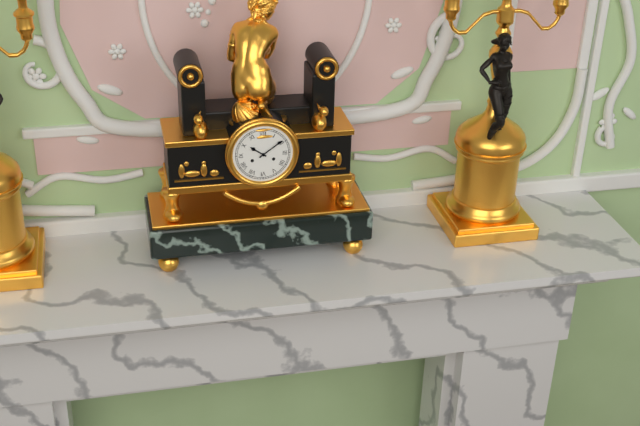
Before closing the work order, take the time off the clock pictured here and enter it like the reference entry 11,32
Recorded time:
10,09
